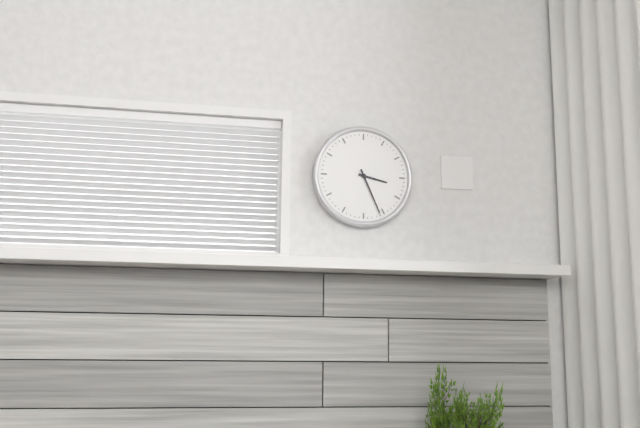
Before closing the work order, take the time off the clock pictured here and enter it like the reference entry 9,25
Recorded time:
3,26
